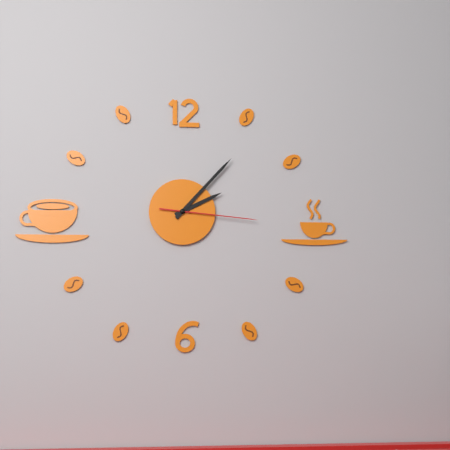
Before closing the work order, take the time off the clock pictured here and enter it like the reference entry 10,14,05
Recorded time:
2,07,16
